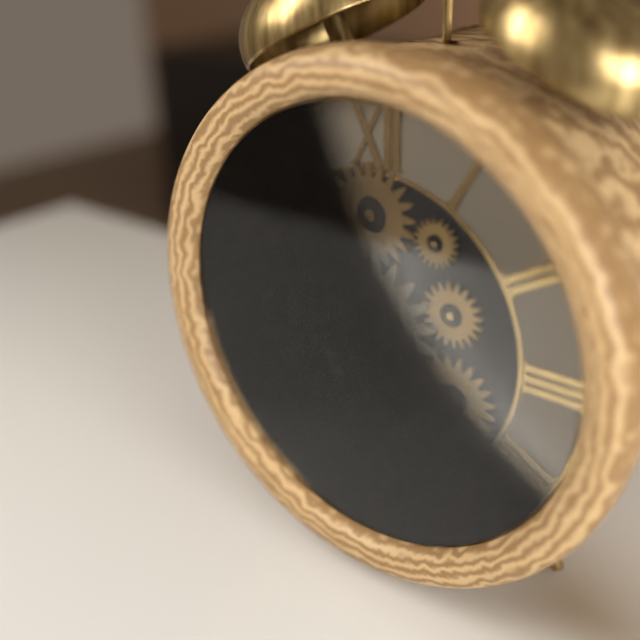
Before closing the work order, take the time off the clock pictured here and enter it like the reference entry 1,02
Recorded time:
10,48
